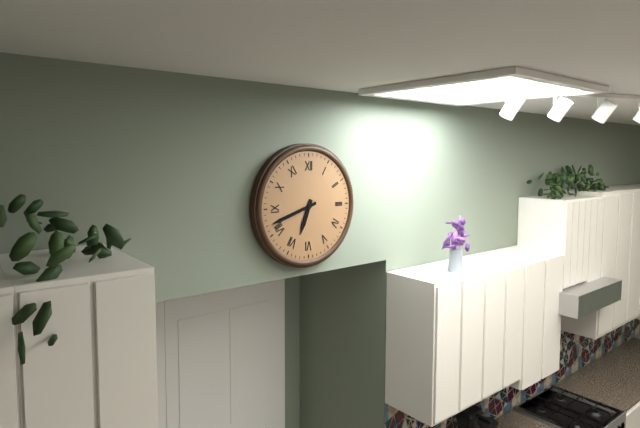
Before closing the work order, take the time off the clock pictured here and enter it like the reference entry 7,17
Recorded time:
6,42
